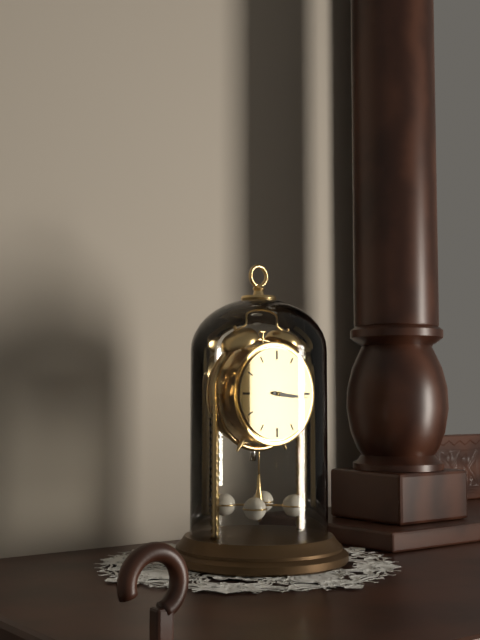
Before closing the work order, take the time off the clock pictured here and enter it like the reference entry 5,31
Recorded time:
3,16
